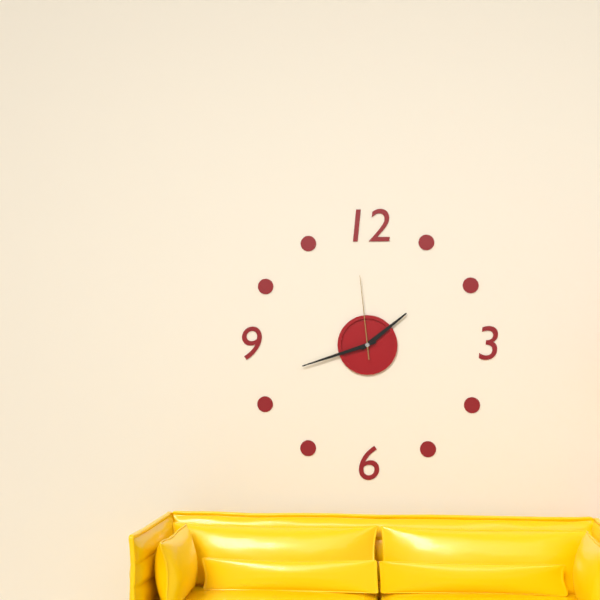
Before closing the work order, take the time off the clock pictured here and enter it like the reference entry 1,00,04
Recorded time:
1,42,59
